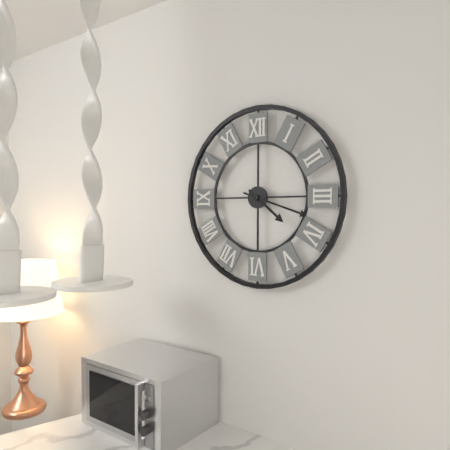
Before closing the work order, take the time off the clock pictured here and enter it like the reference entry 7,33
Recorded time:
4,18
